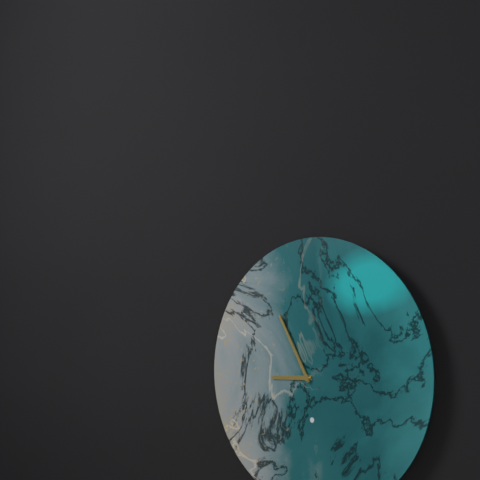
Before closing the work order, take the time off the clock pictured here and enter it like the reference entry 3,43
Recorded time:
8,55
